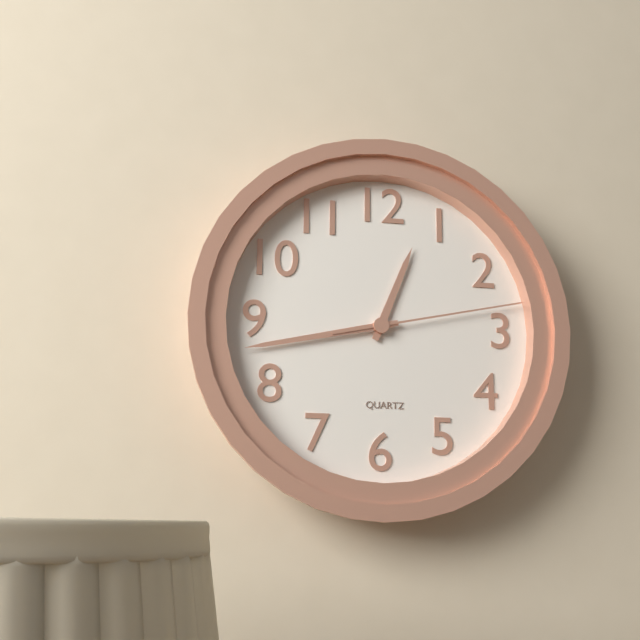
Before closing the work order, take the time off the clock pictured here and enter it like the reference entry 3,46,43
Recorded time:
12,43,13
